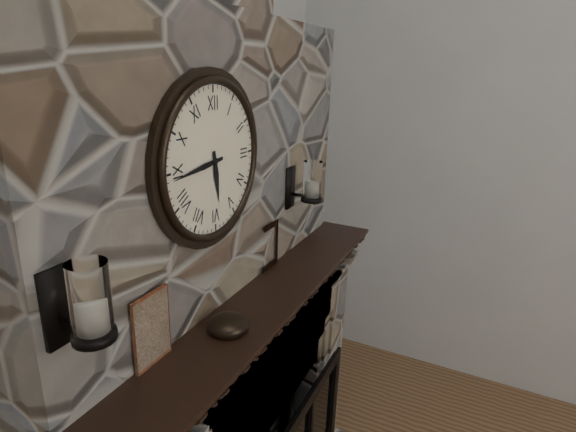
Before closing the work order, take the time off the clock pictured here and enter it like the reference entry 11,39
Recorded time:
5,44
